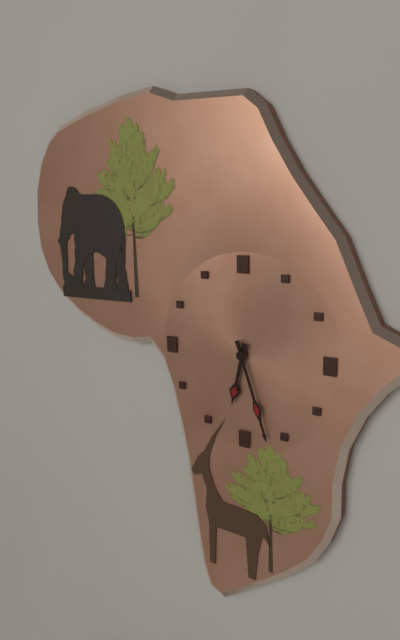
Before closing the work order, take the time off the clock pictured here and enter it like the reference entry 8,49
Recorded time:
6,27
